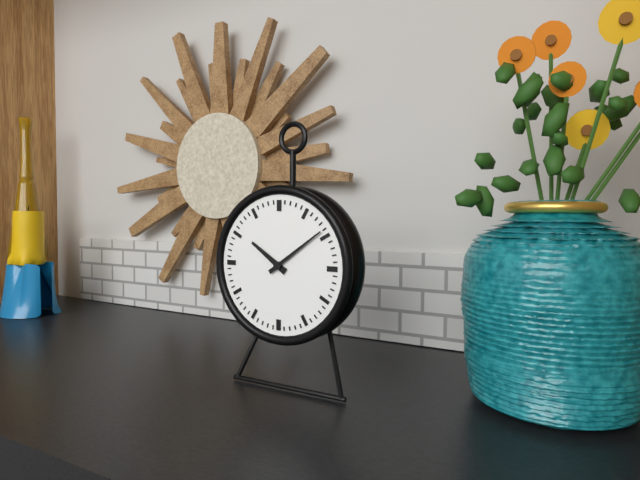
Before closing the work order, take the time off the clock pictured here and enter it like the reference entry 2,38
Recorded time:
10,09
